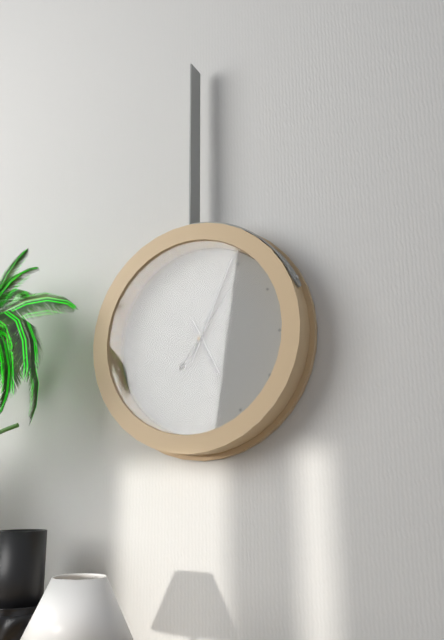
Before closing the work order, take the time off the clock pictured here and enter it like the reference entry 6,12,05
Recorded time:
5,04,06
